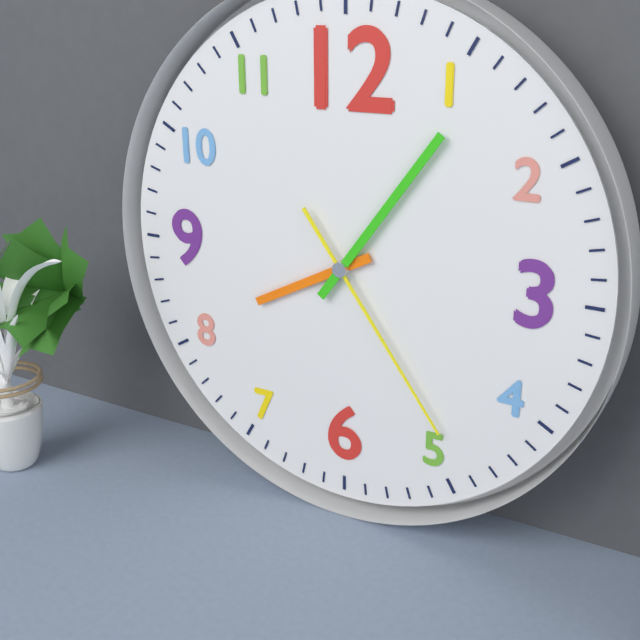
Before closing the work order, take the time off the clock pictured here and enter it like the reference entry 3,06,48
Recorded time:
8,06,24
